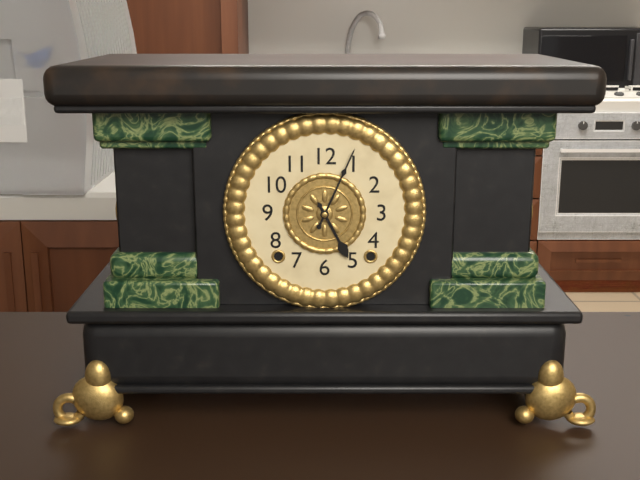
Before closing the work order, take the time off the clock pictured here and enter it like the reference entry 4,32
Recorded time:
5,04
